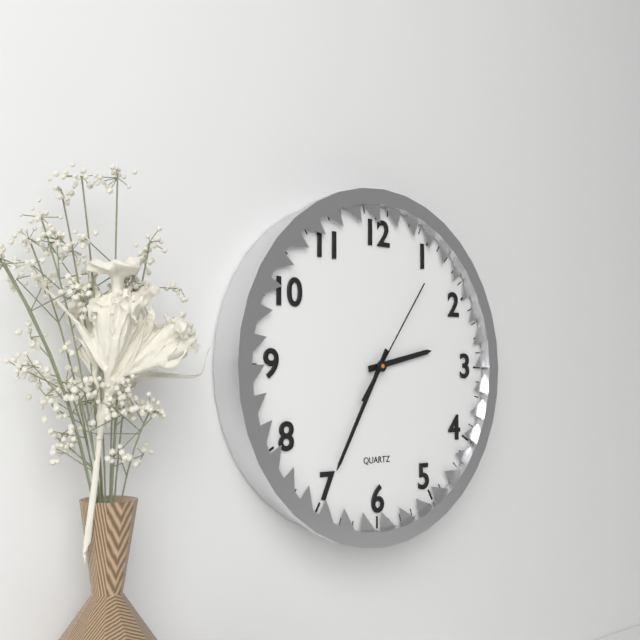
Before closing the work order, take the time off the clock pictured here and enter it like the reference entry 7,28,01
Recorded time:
2,35,06
